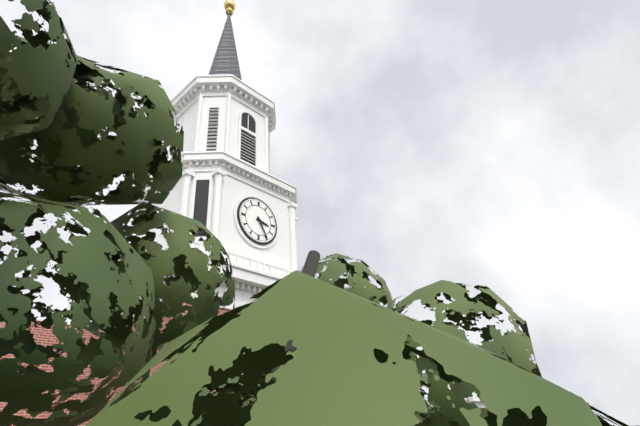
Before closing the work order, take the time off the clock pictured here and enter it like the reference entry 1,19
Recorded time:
3,25
